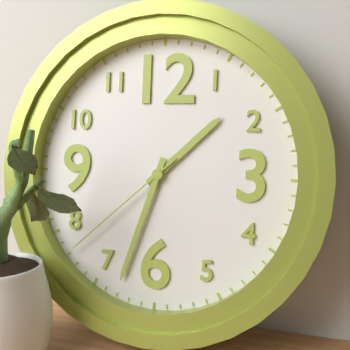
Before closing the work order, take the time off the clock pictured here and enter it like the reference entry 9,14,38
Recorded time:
1,33,38
